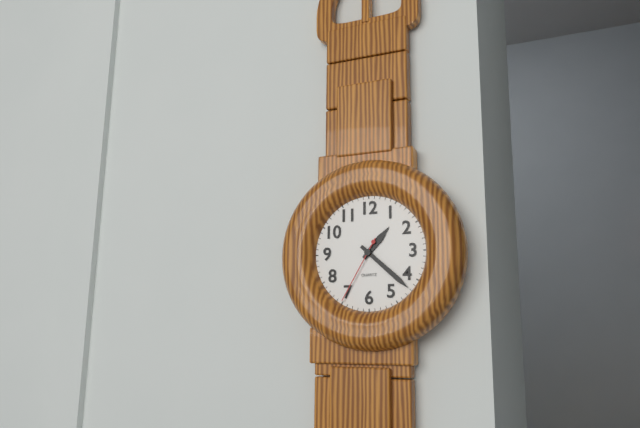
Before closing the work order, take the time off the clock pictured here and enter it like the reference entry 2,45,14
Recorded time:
1,22,35
